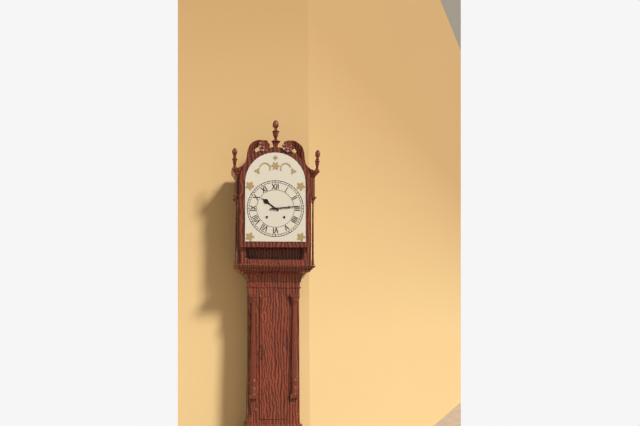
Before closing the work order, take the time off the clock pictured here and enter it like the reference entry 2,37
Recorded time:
10,14
